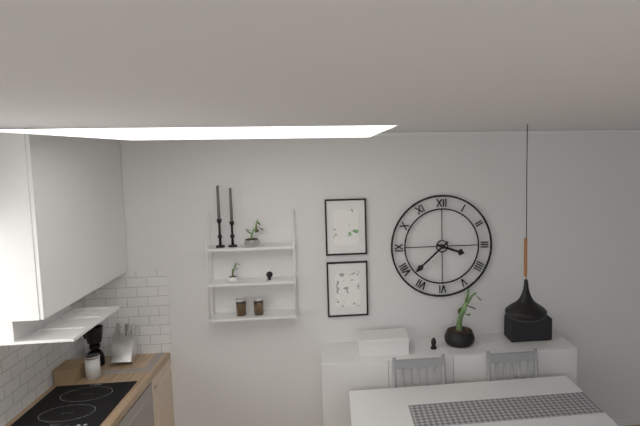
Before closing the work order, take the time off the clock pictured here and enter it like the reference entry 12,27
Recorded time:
3,38
